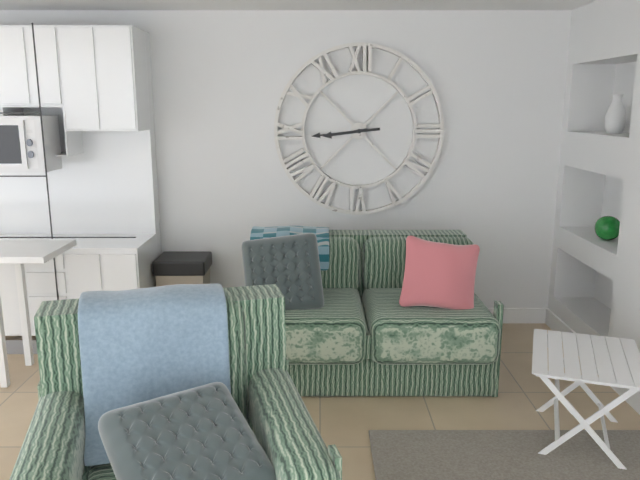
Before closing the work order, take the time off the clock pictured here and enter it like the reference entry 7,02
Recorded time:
8,44
